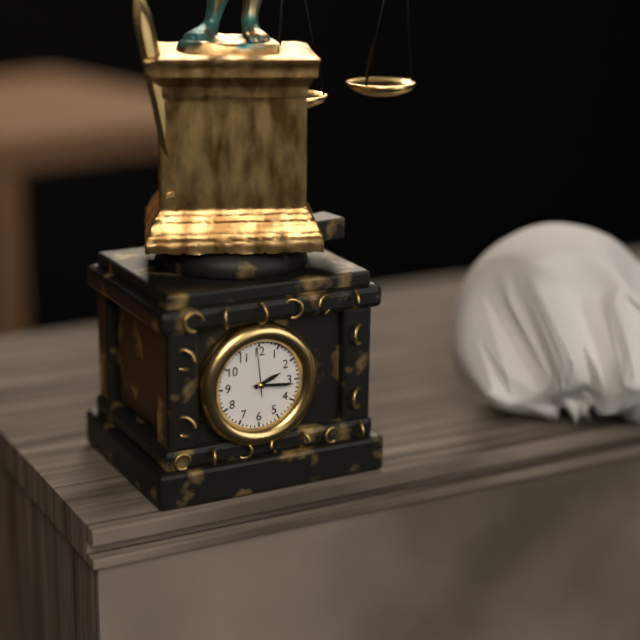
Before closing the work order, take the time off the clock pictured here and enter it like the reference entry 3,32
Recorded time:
2,16
